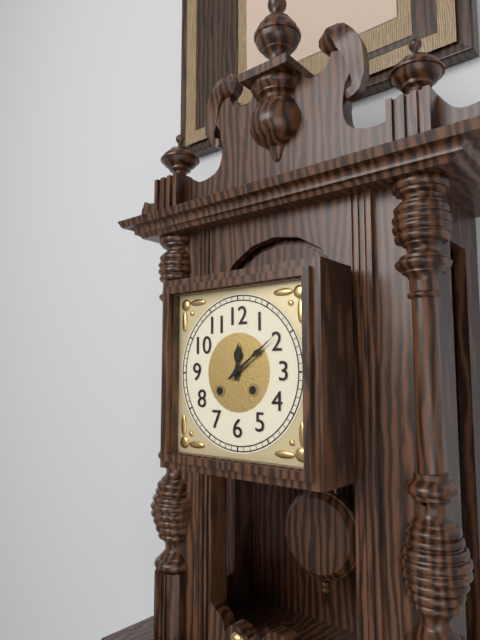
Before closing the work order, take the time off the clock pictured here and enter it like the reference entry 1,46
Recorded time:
12,09
